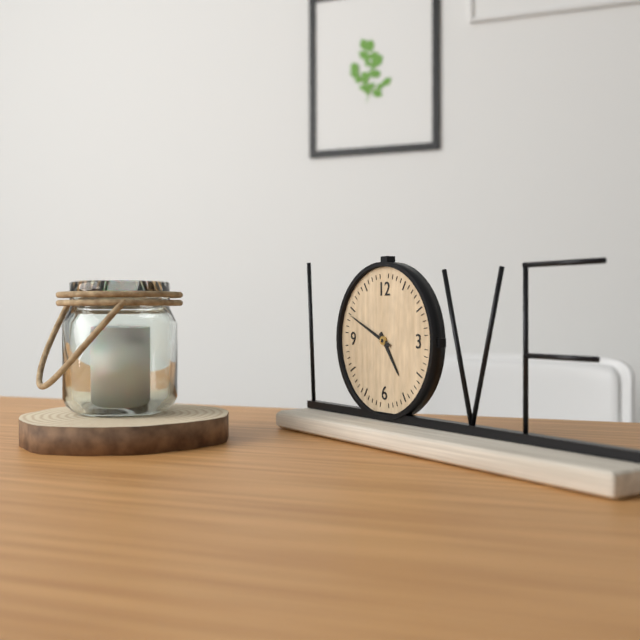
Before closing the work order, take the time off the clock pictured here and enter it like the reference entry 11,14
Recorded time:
4,49
